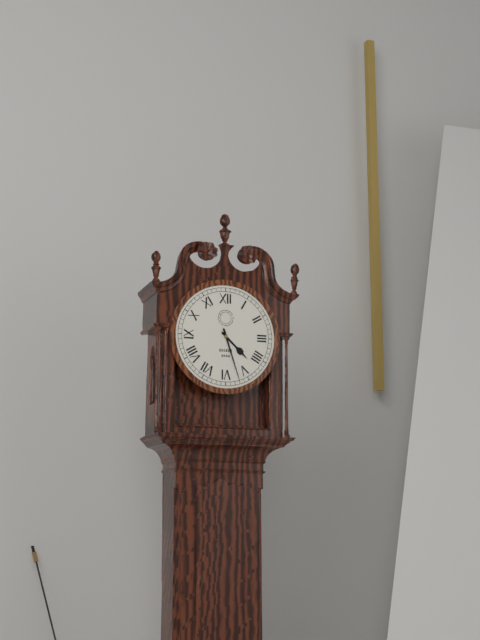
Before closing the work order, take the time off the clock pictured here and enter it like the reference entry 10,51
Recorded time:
4,27
